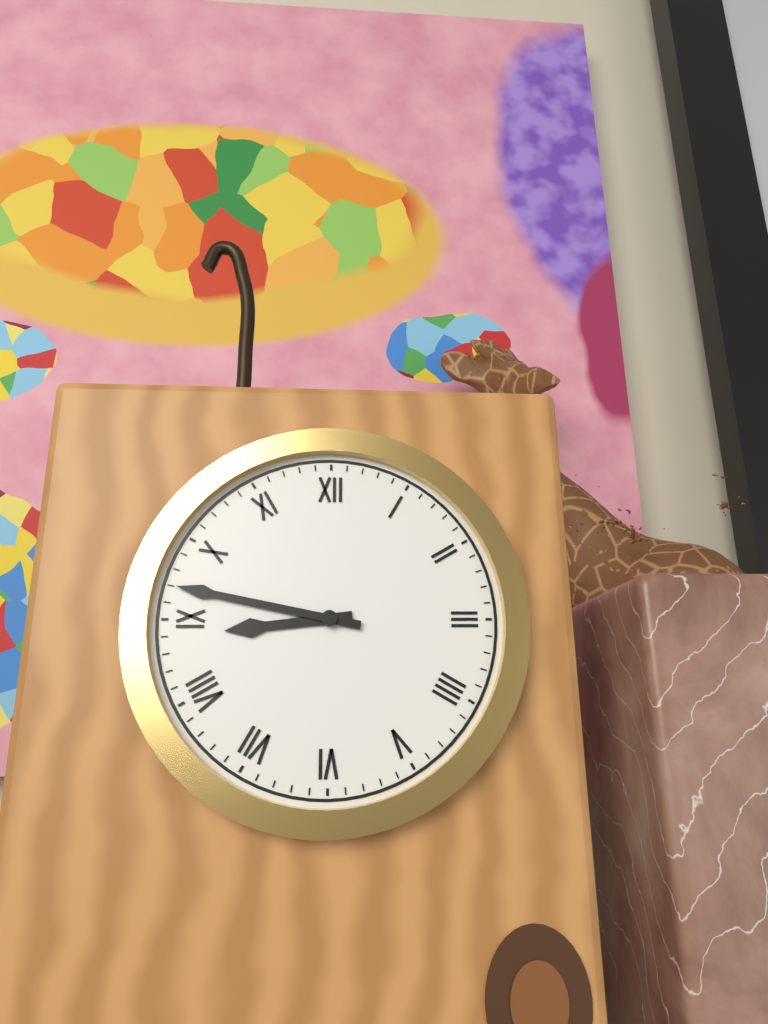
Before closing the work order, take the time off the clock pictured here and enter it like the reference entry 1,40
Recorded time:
8,47
